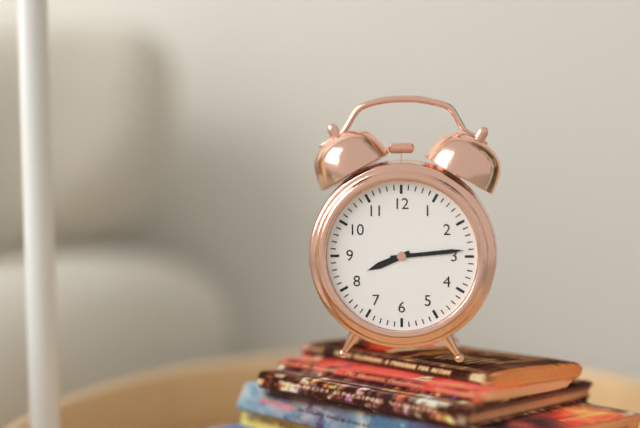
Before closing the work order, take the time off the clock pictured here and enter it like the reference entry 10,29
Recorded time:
8,14
